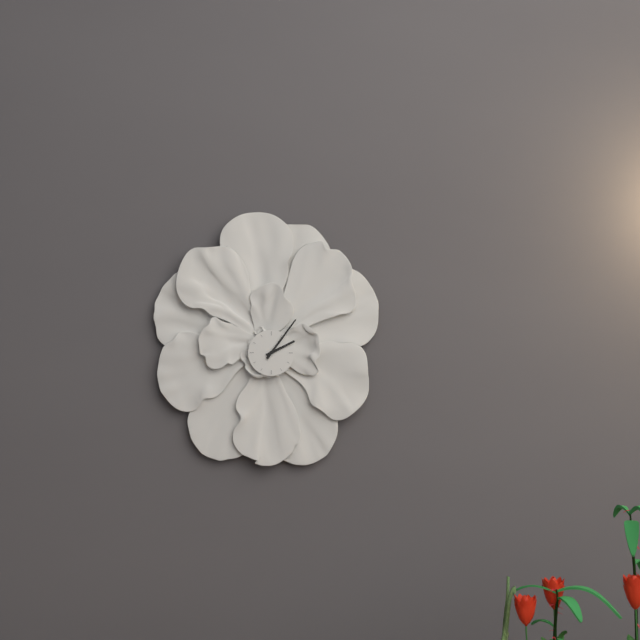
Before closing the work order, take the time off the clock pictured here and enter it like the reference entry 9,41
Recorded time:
2,06
